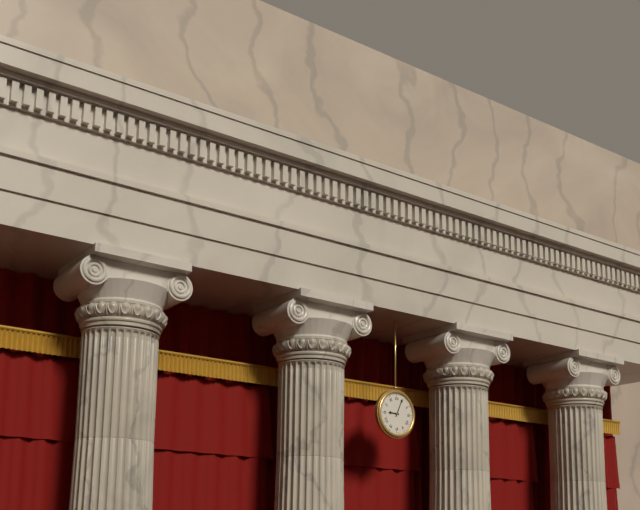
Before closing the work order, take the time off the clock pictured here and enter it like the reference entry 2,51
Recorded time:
9,04
